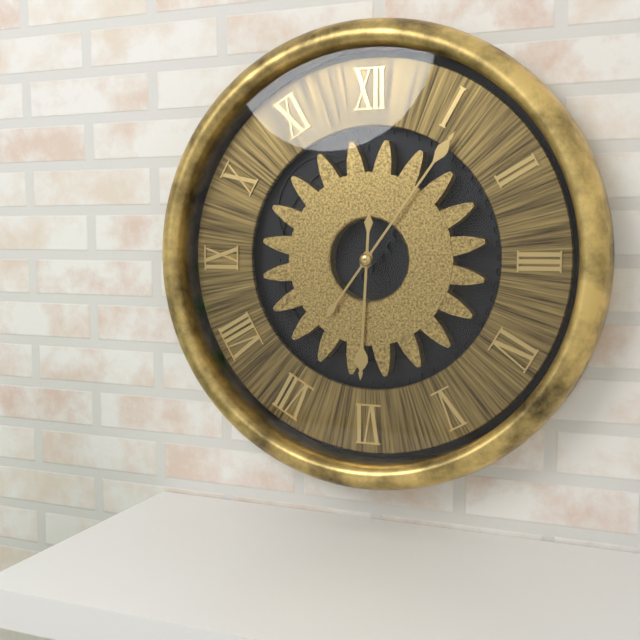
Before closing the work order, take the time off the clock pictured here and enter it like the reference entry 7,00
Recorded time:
6,06
